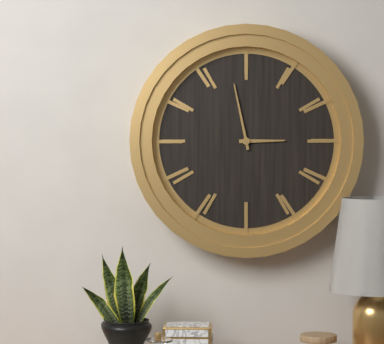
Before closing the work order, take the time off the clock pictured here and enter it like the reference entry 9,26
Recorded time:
2,58
